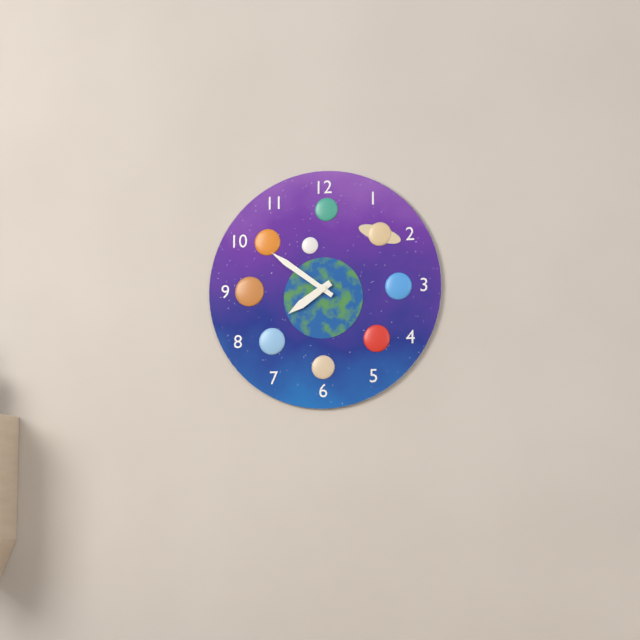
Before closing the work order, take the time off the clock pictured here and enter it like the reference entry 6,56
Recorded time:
7,51
